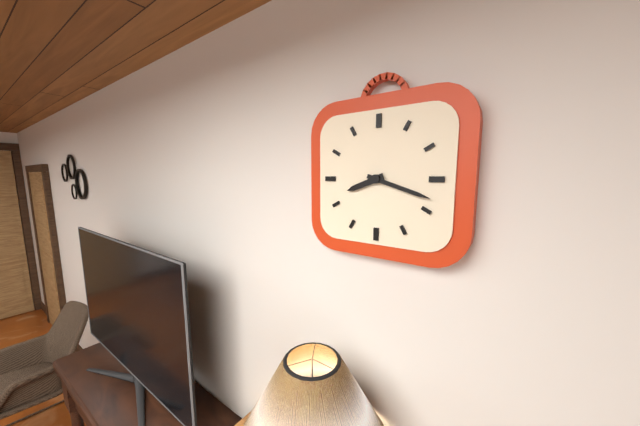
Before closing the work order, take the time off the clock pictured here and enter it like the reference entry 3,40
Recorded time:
8,18
